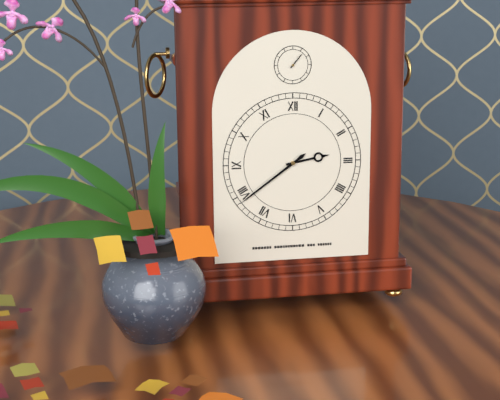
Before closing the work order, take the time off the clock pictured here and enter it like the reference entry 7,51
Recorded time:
2,39
